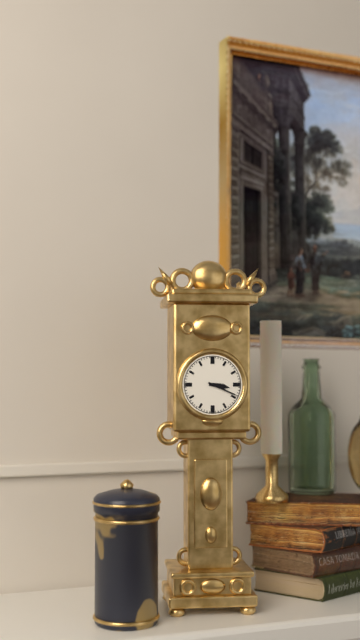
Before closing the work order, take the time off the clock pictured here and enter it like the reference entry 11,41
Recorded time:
3,19
